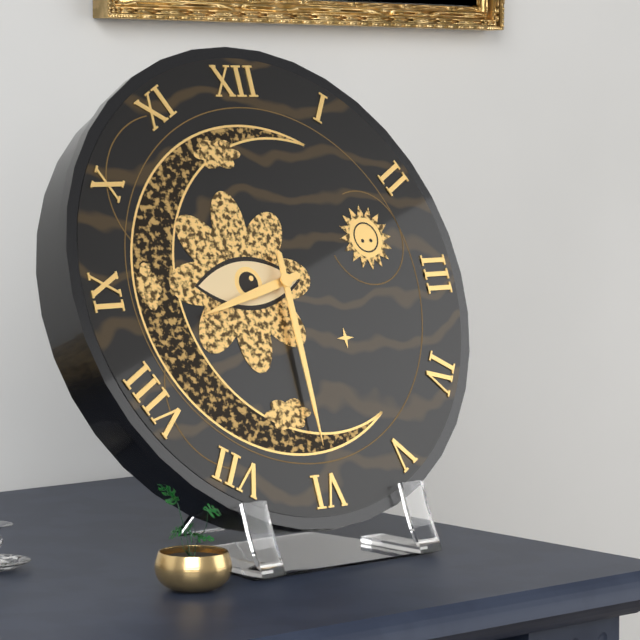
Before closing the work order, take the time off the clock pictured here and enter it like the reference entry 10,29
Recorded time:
8,30
